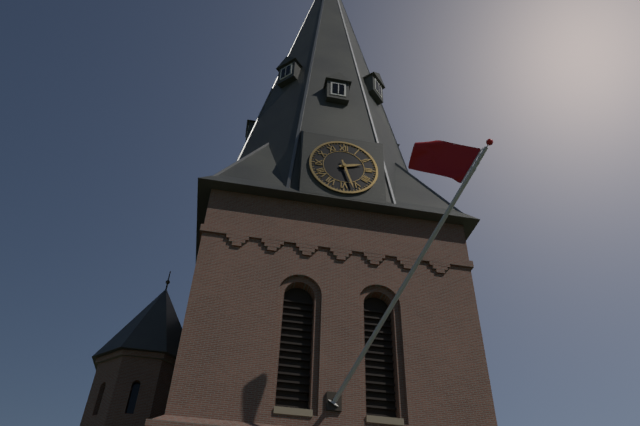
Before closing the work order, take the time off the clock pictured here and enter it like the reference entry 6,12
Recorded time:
2,27
